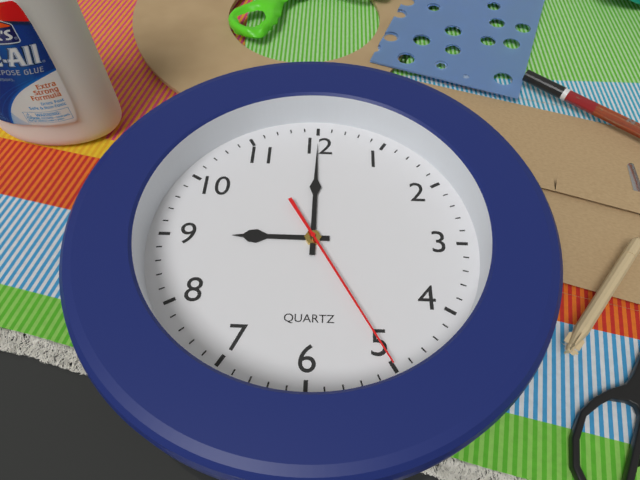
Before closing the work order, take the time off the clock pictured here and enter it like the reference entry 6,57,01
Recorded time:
9,00,25
